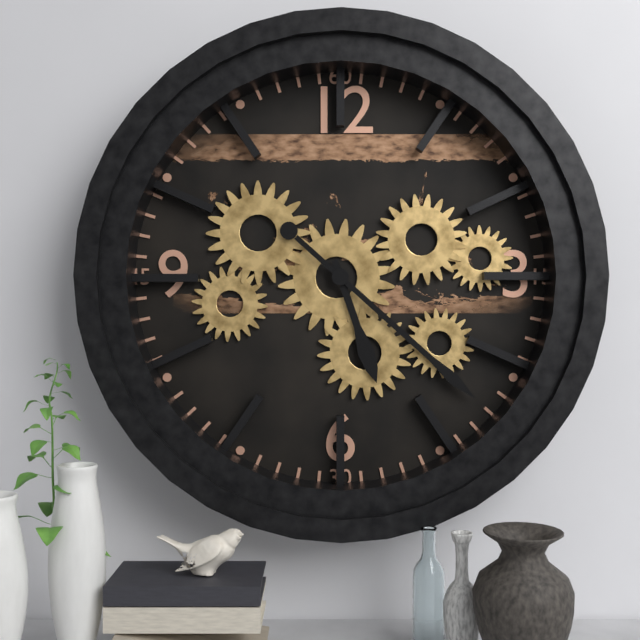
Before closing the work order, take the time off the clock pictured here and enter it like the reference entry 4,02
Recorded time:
5,22
